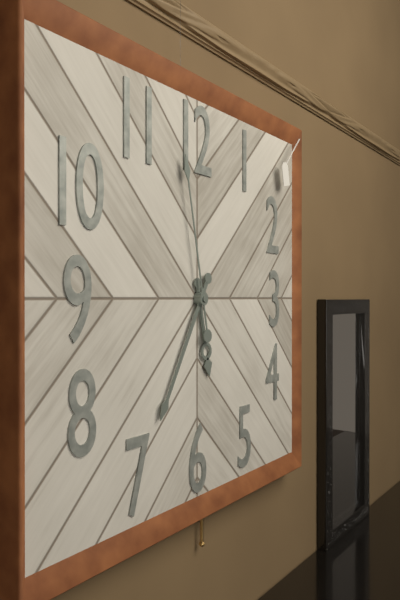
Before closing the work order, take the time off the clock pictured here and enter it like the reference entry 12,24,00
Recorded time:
5,35,58
